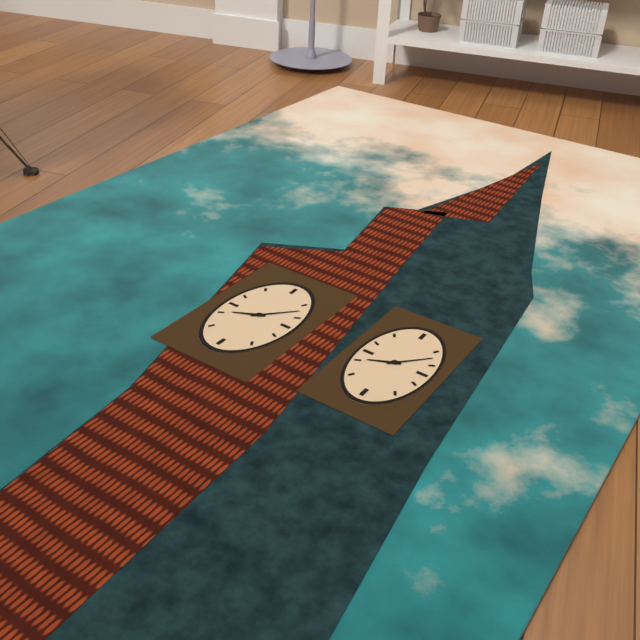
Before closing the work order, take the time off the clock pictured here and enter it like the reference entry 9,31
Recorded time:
8,07
